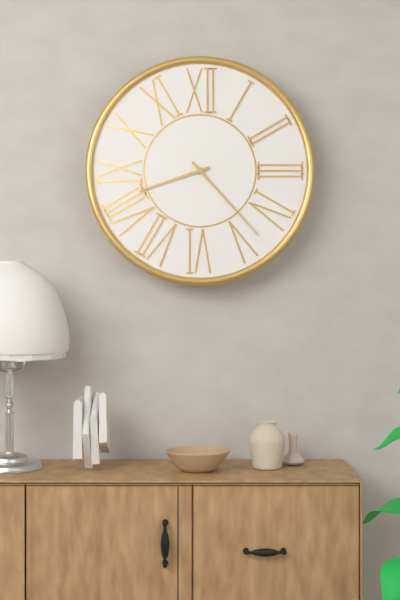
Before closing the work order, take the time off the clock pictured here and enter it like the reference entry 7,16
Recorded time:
8,23
